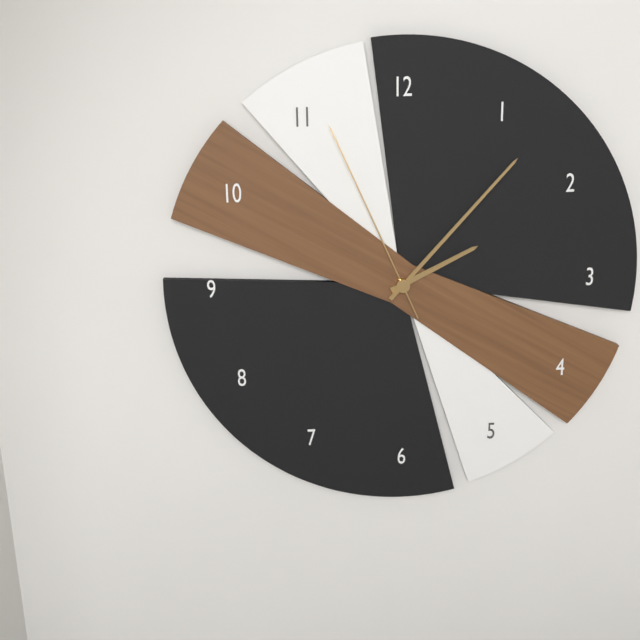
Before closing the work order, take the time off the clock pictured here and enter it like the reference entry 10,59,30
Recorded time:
2,07,56
